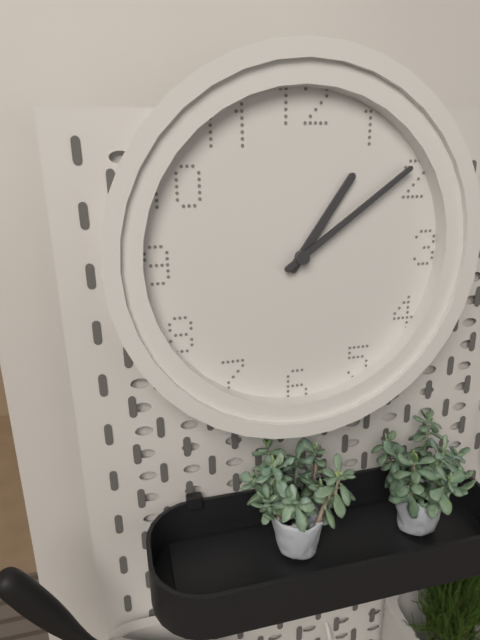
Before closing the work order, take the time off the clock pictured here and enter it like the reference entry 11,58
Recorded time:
1,09
